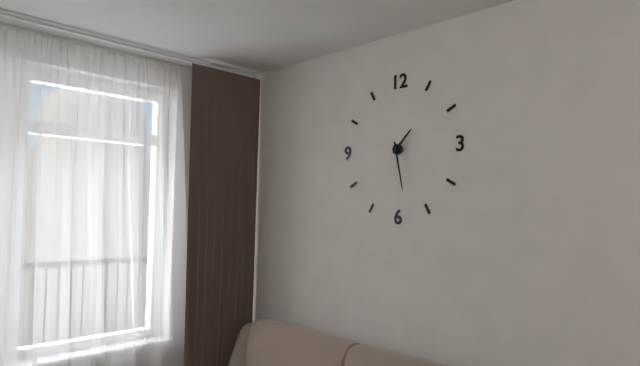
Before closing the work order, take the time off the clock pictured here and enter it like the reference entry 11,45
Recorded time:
1,28
